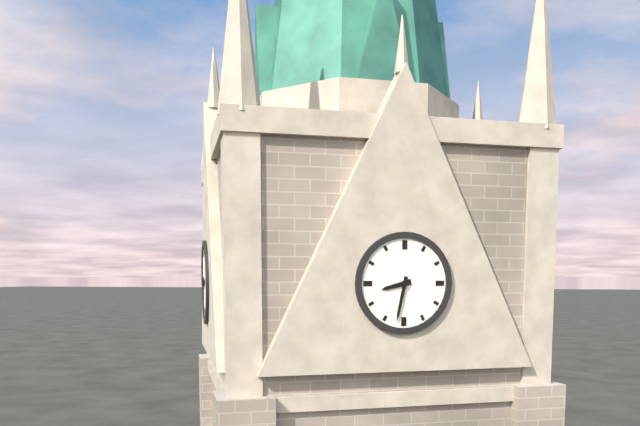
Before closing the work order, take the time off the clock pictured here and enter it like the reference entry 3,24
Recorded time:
8,32
